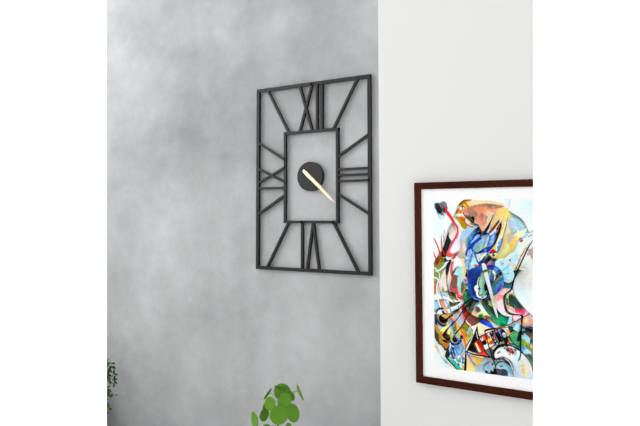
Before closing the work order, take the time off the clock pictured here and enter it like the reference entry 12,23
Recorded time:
4,22
